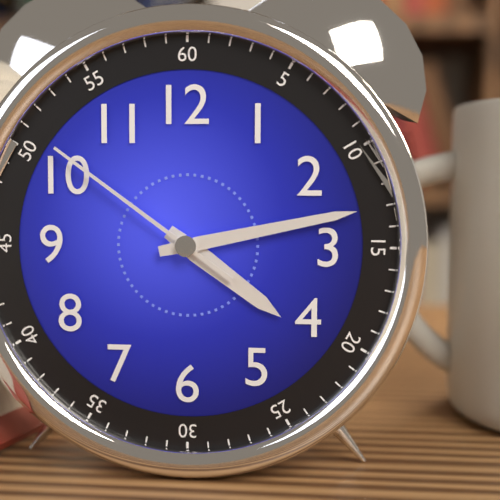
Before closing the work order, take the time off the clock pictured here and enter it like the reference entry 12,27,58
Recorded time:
4,13,51
